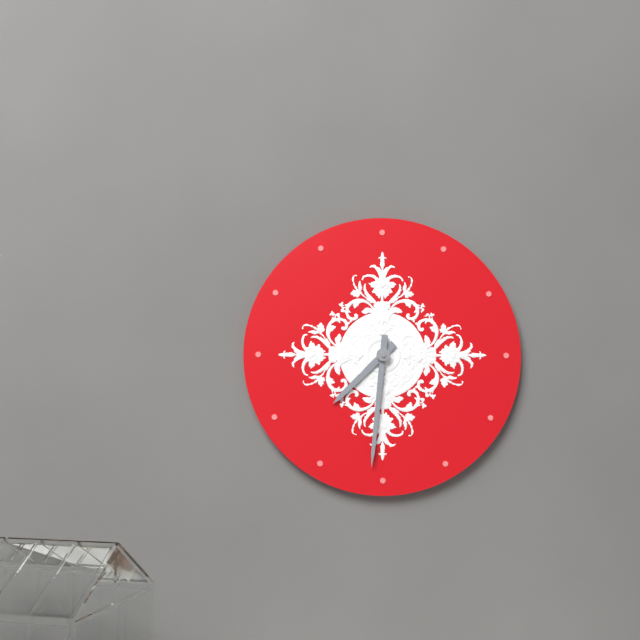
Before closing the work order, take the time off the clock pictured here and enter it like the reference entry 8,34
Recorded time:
7,31
